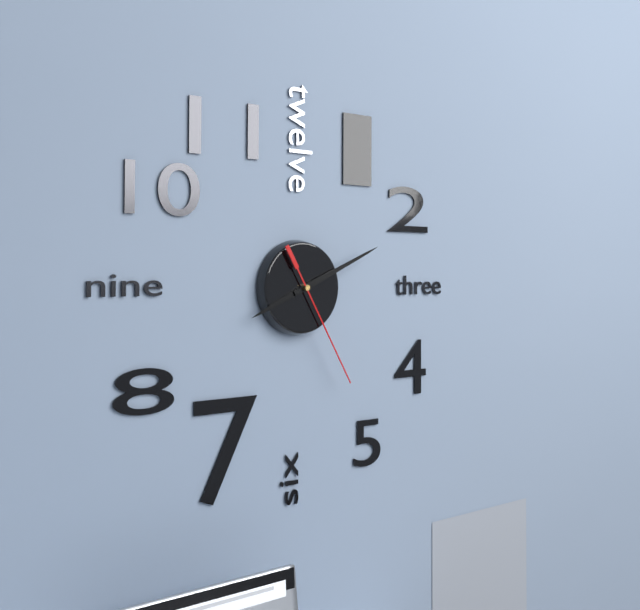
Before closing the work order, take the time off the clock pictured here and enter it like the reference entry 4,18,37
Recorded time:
8,11,25
